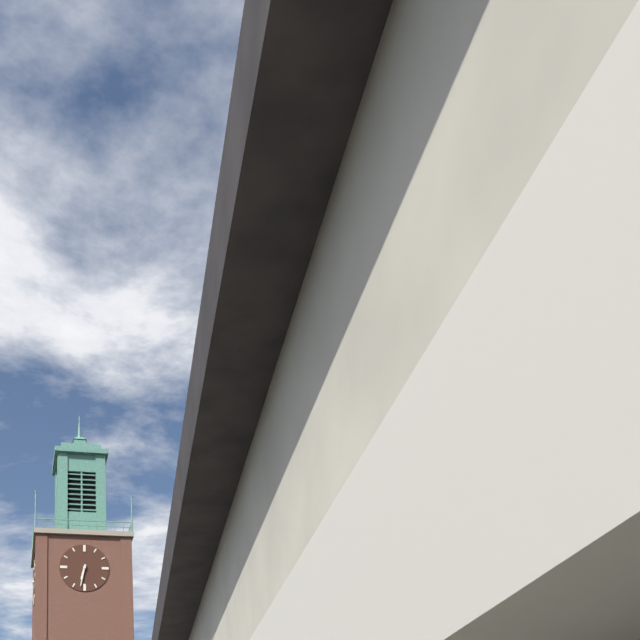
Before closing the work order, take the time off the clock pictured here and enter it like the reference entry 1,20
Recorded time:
6,32
